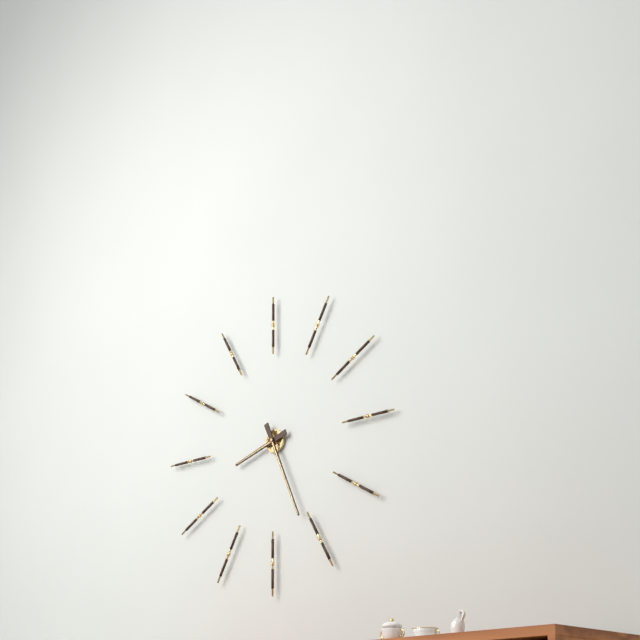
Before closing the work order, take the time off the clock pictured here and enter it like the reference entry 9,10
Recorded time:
8,26
